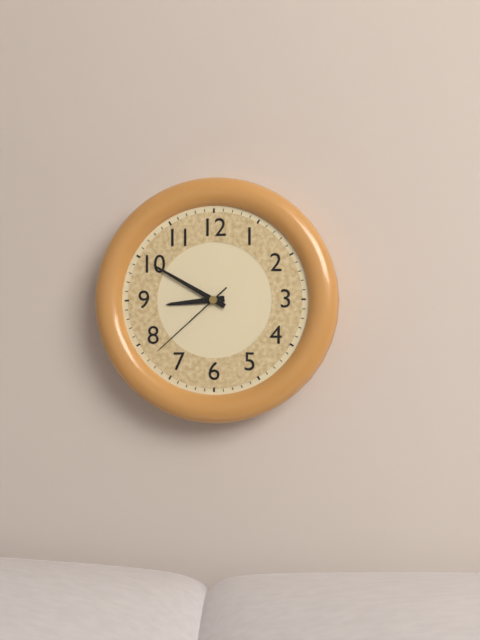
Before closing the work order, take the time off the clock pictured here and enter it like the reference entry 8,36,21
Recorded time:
8,50,38
